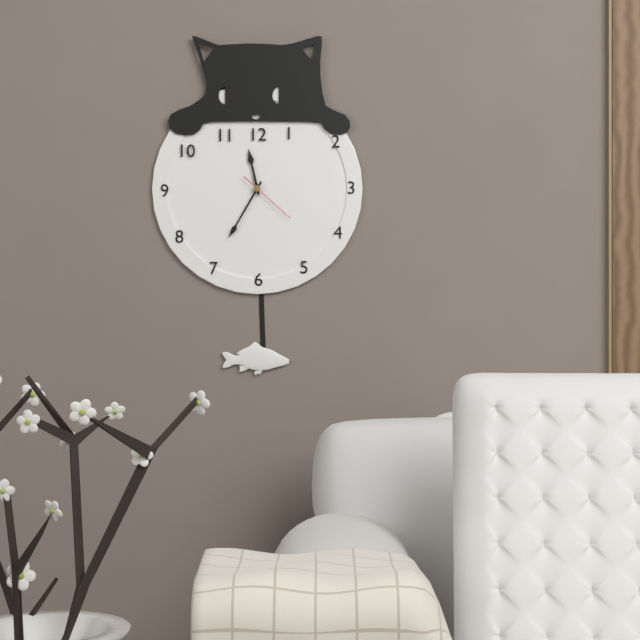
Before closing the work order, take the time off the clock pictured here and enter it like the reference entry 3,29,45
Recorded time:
11,35,22
